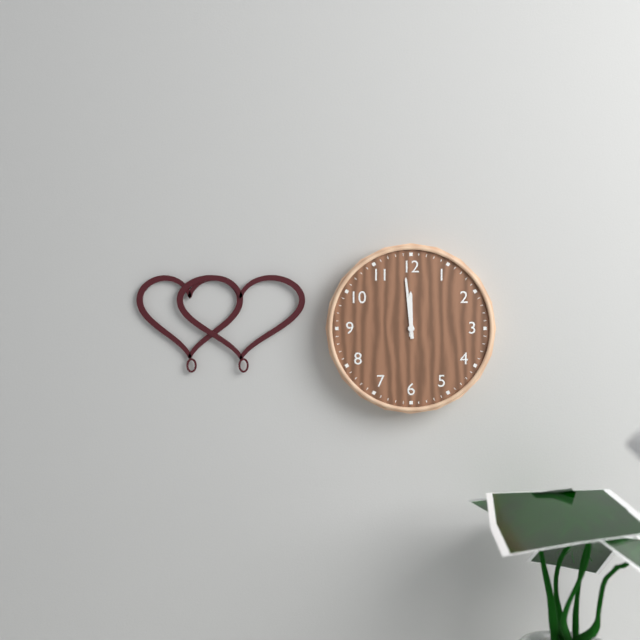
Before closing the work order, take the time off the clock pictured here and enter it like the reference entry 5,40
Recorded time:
11,59
